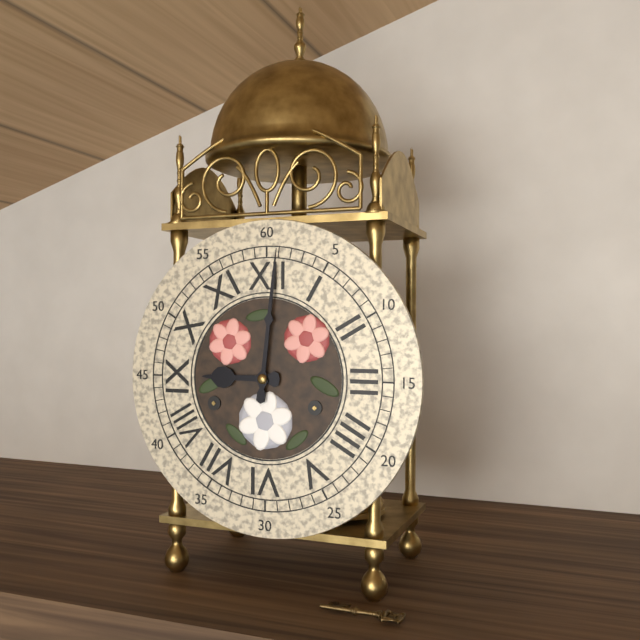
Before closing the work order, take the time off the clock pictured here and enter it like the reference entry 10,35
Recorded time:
9,01
